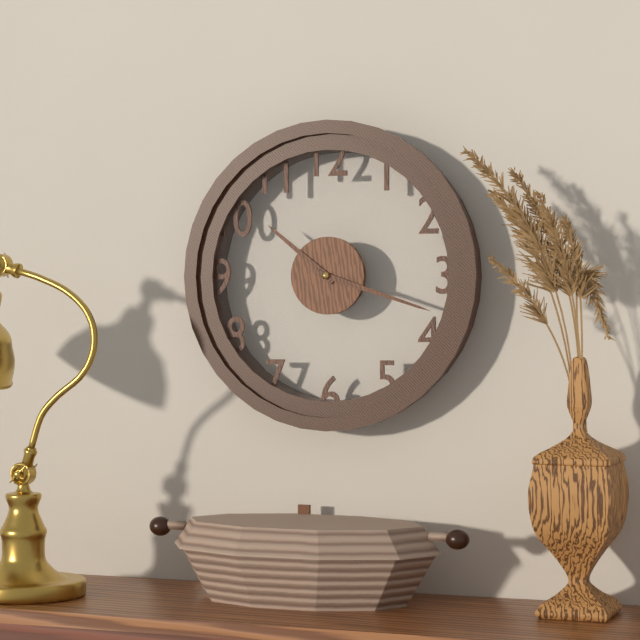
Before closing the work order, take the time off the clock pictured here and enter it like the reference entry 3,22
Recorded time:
10,18
